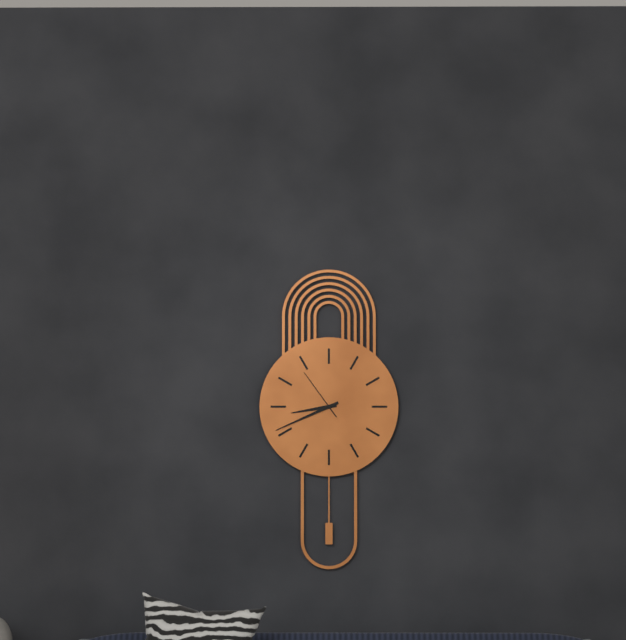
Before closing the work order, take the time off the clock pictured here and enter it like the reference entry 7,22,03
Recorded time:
8,41,54
